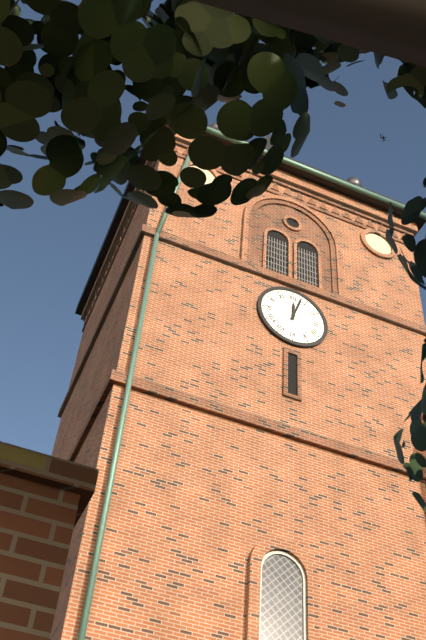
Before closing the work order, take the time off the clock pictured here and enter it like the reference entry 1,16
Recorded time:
12,03
